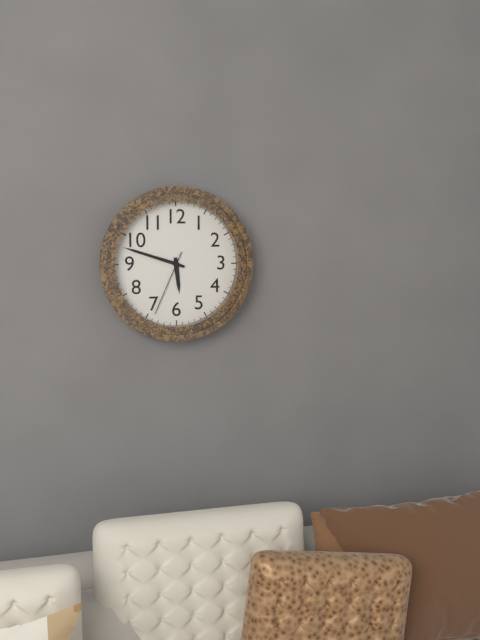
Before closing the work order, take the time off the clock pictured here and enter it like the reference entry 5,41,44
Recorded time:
5,48,34
